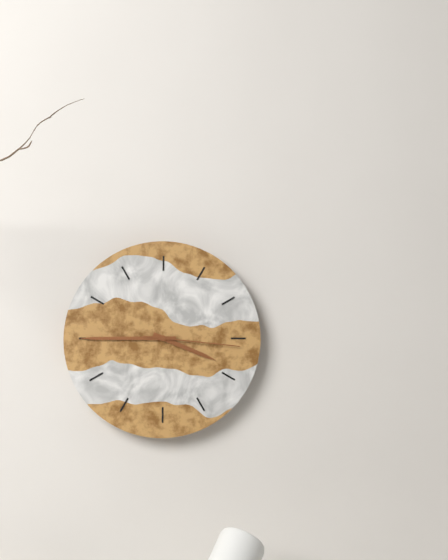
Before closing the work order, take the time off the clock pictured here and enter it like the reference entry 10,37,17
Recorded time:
3,45,16
